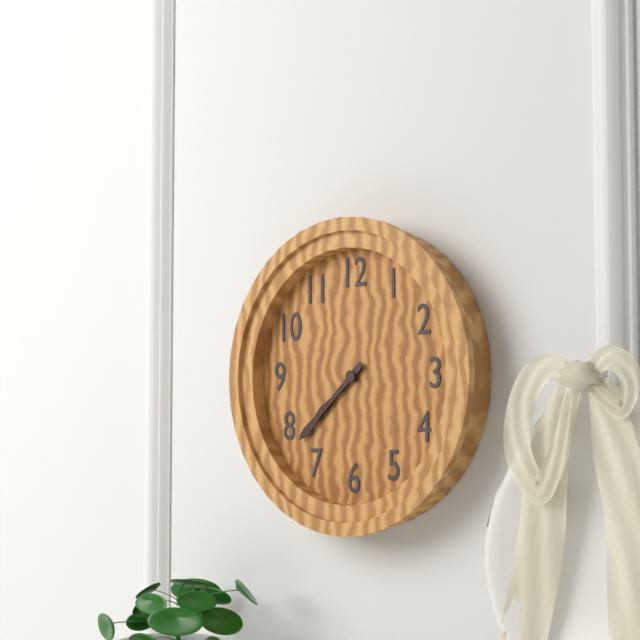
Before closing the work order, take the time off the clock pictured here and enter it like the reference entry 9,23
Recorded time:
7,38
